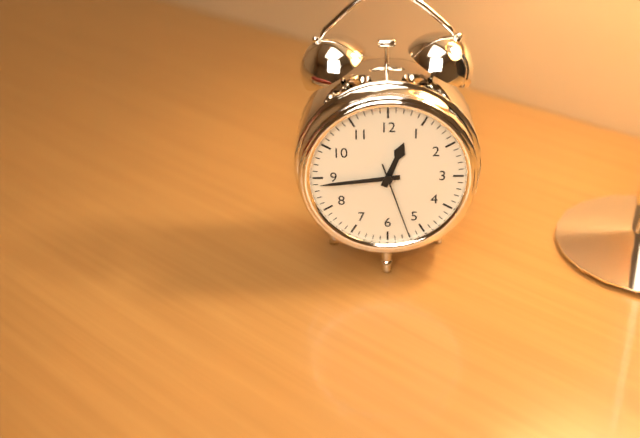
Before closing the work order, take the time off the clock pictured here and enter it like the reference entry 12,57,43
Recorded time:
12,44,27
